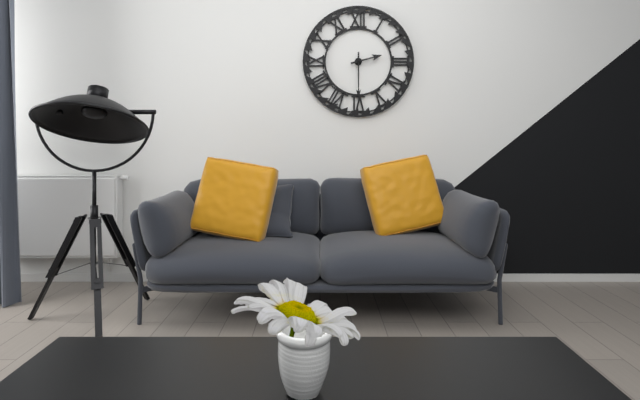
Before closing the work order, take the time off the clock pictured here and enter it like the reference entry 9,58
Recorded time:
2,30
